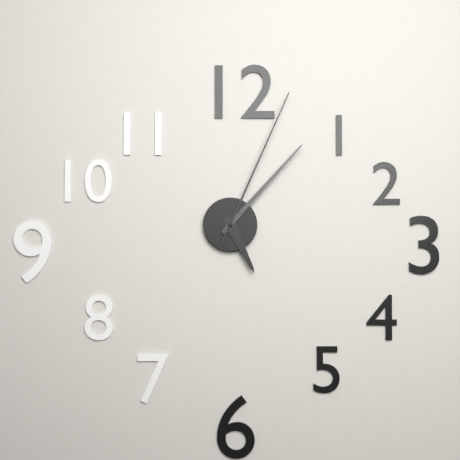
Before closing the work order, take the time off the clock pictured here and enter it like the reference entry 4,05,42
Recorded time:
5,07,04
